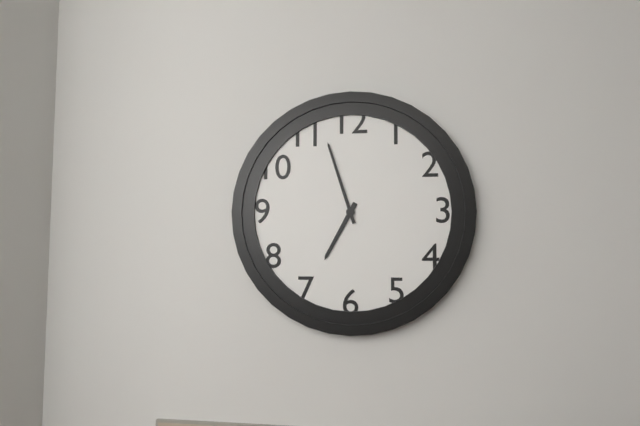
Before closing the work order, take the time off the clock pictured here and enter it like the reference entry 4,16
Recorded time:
6,57
